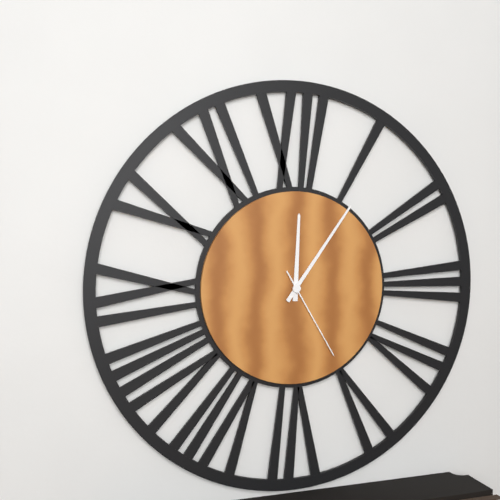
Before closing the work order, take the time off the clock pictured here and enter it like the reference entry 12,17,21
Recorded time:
12,06,25
